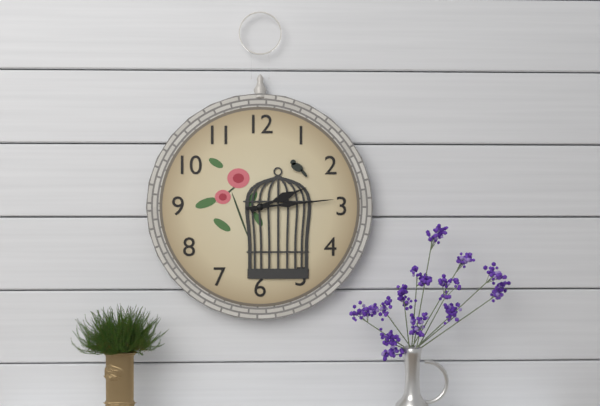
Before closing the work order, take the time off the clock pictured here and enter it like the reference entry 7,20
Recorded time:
2,14
